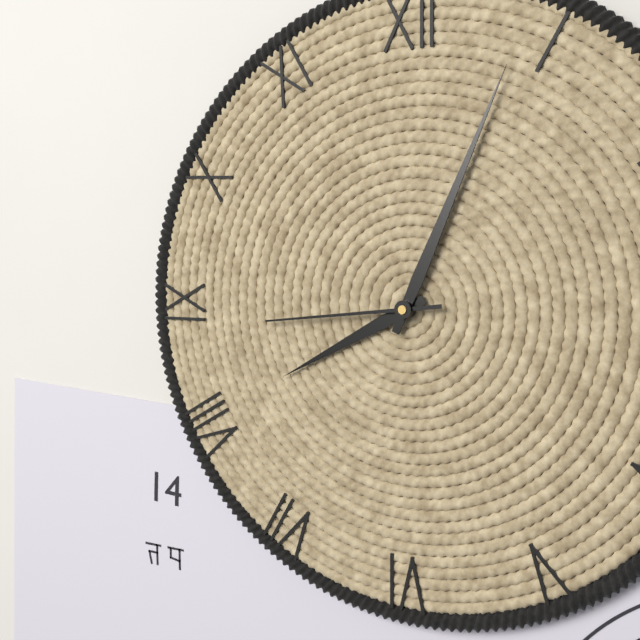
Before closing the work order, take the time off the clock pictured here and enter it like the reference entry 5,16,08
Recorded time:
8,04,44
